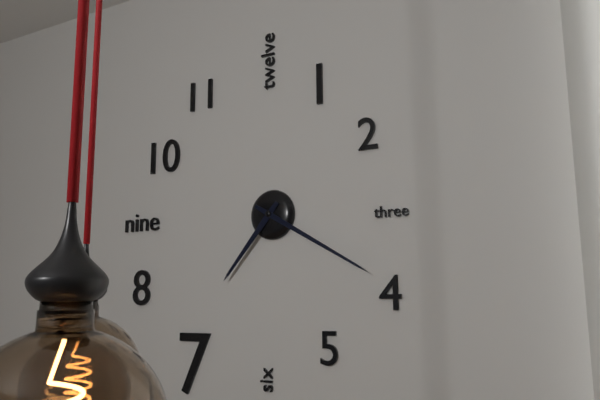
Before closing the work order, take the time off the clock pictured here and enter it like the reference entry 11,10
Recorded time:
7,20
